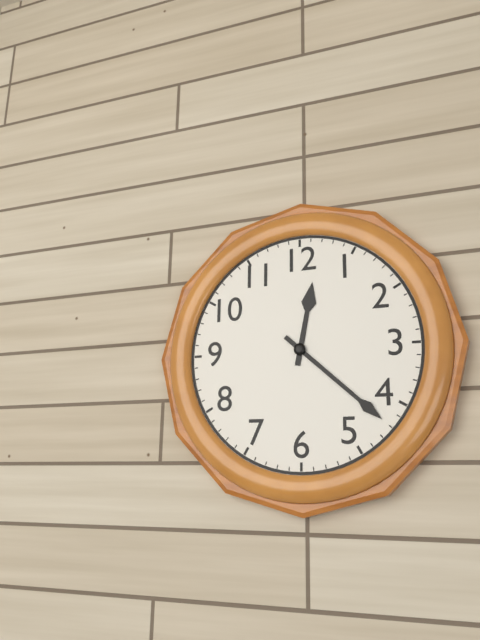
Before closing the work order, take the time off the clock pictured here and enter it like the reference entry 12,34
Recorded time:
12,22
